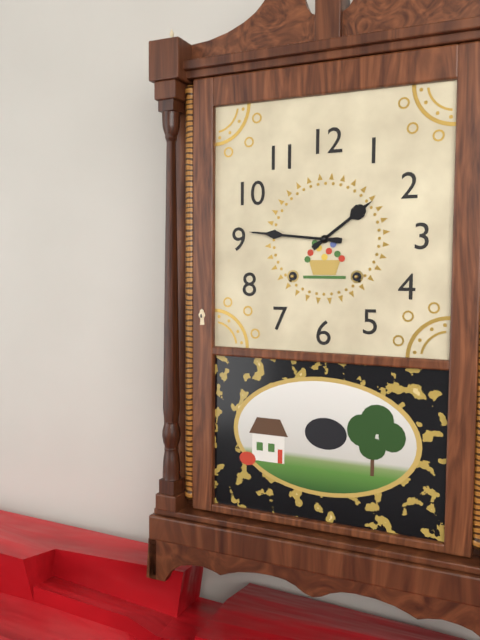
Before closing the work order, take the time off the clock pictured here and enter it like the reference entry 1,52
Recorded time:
1,46
